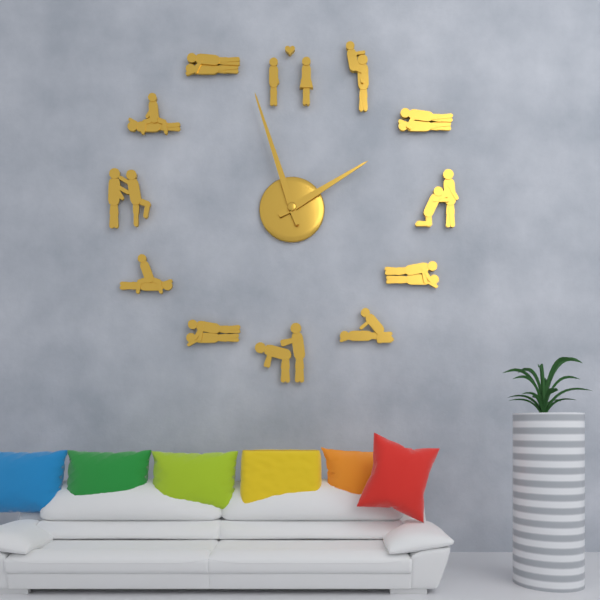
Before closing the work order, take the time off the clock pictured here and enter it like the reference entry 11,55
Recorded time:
1,57
